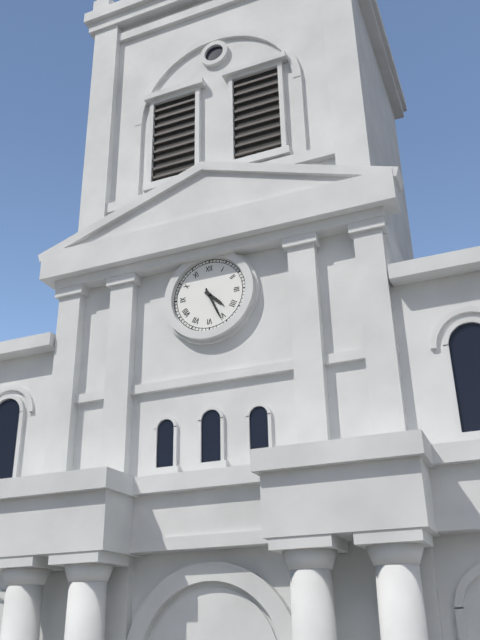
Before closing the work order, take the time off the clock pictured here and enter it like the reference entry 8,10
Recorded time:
4,26
